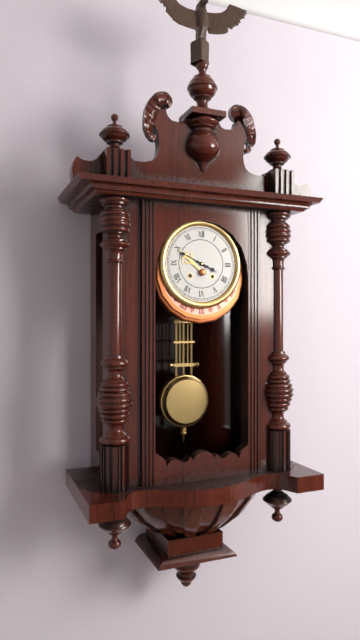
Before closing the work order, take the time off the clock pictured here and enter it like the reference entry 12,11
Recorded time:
3,49
